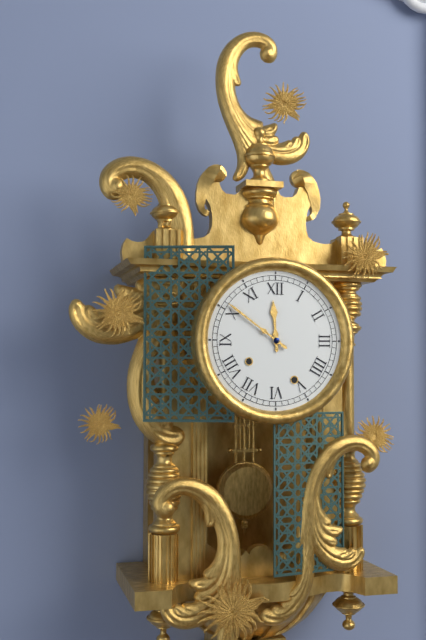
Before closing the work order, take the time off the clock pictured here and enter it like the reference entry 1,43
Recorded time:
11,51
